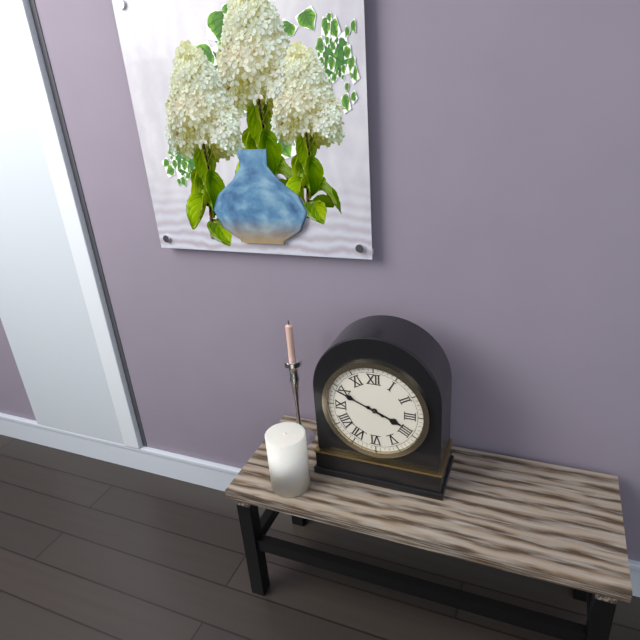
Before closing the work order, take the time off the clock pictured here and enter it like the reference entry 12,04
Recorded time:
3,49
